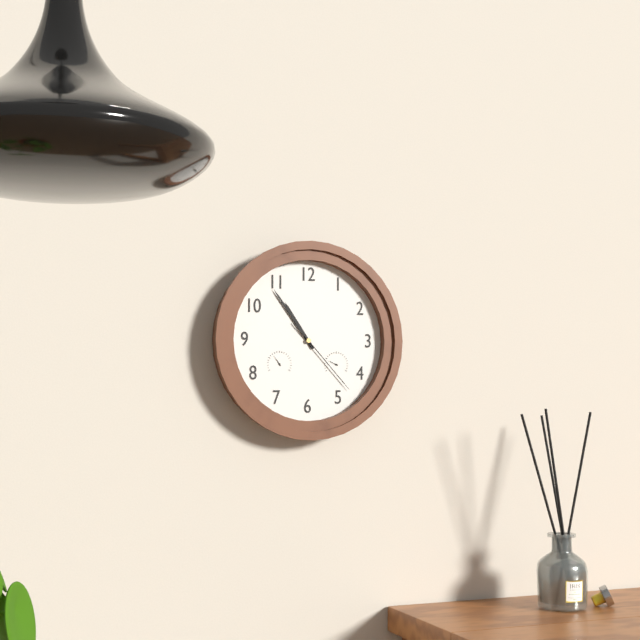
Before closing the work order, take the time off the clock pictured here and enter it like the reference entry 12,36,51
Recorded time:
10,54,23
